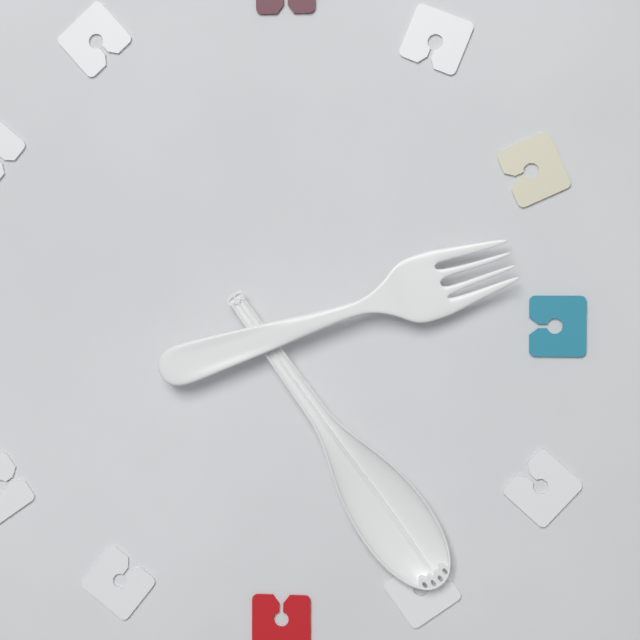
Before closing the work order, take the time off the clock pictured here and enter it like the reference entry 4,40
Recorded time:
2,24
